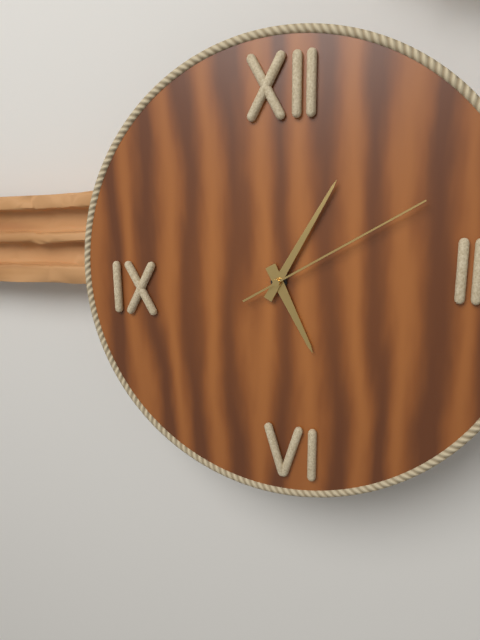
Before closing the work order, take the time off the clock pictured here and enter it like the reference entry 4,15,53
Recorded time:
5,05,10
